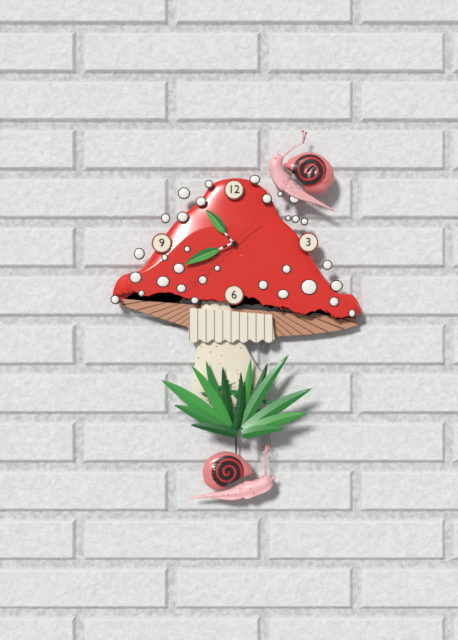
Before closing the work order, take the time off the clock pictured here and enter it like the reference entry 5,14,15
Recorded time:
10,41,38
